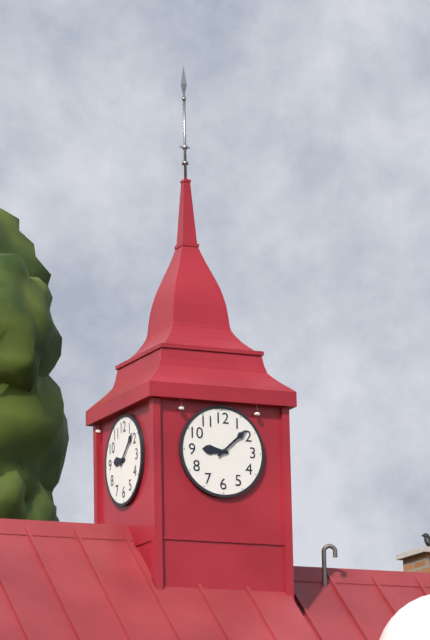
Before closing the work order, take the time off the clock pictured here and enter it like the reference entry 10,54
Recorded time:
9,08
